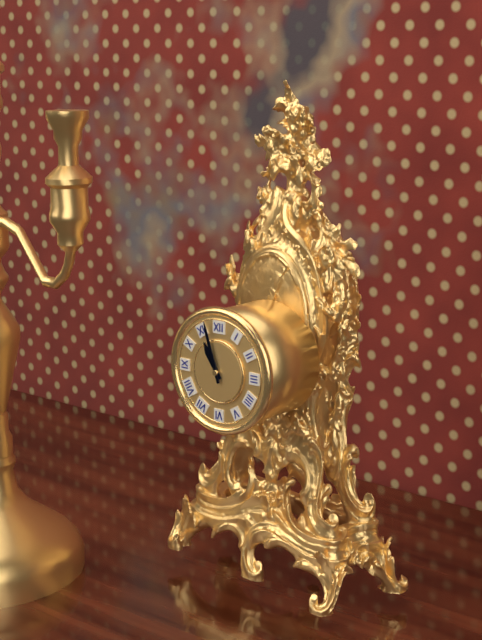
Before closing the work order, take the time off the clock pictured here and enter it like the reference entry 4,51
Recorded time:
10,57
